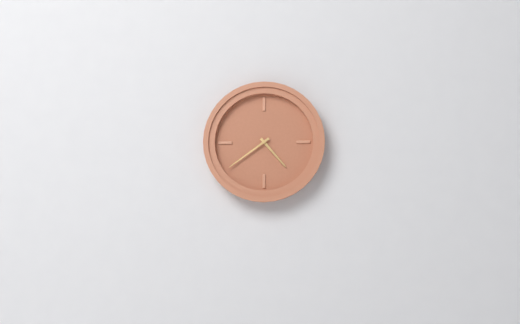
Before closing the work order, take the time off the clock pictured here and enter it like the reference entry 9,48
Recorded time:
4,39
